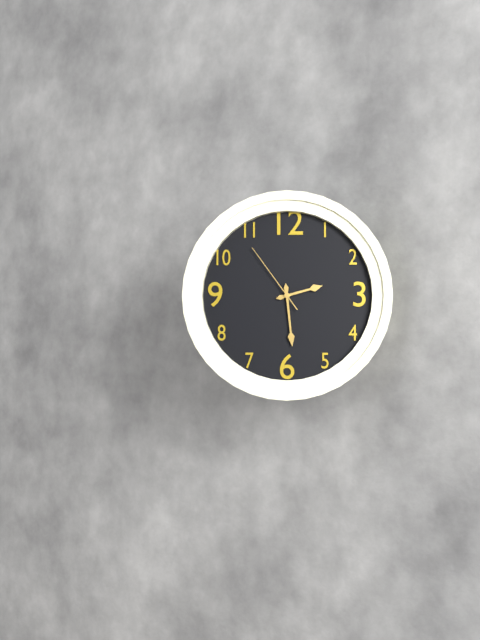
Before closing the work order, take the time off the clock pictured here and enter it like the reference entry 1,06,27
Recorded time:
2,29,54
